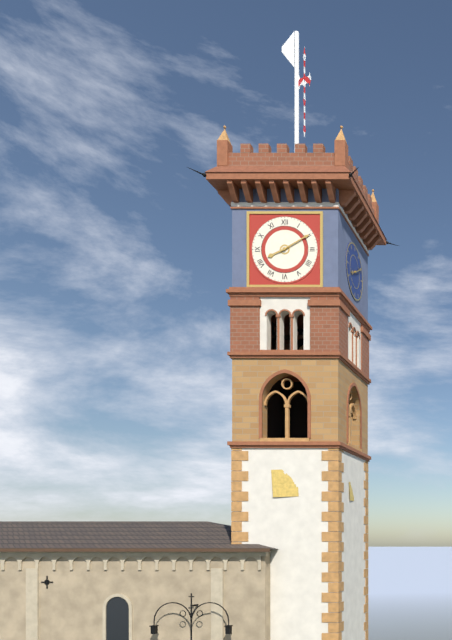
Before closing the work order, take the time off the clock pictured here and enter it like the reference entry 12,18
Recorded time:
8,10
